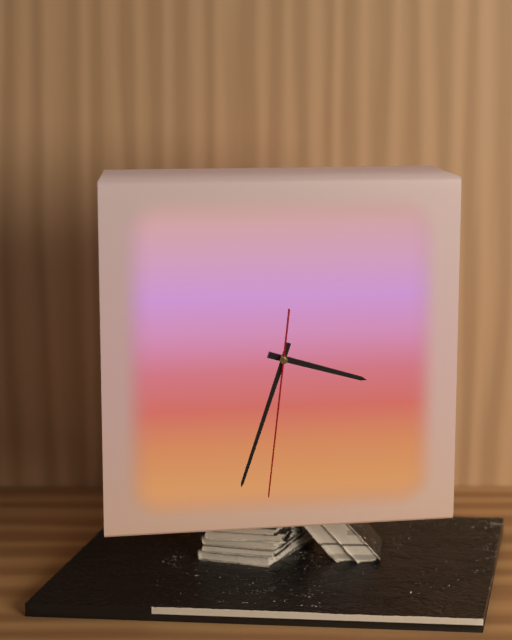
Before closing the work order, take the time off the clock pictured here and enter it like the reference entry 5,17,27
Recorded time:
3,33,31
